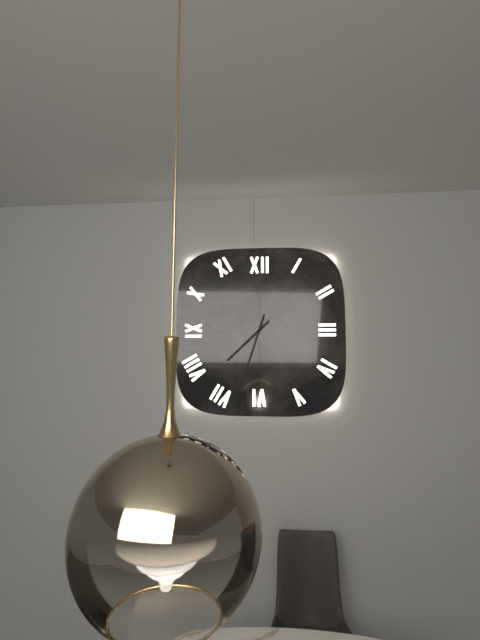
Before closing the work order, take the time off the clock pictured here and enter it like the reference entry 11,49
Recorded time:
7,33
